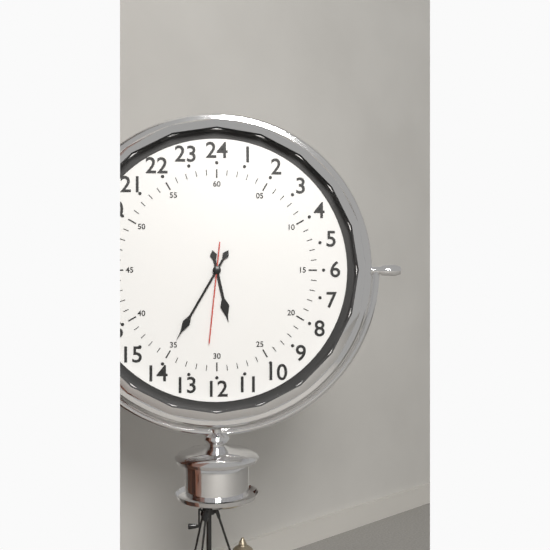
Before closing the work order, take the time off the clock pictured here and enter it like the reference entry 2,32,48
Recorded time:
5,35,31
